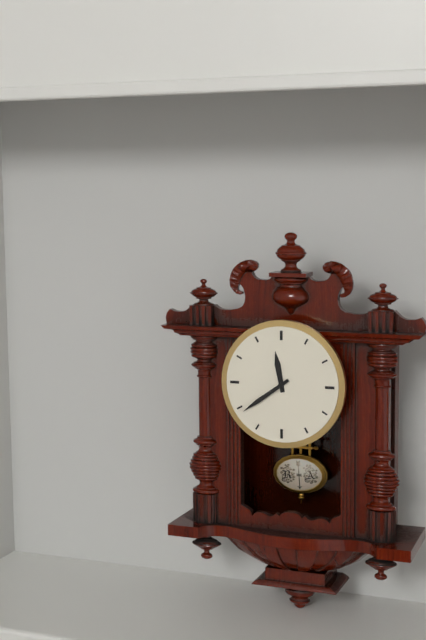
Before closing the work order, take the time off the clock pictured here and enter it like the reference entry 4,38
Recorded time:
11,39
